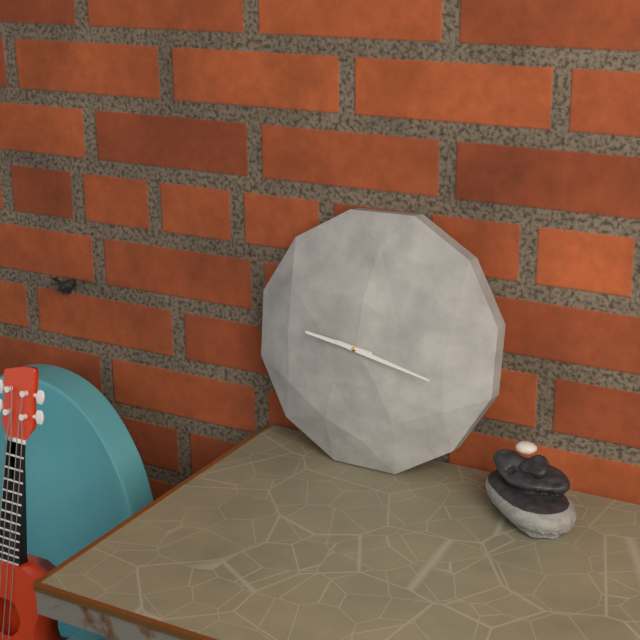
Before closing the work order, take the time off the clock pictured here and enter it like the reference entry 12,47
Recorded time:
9,17
